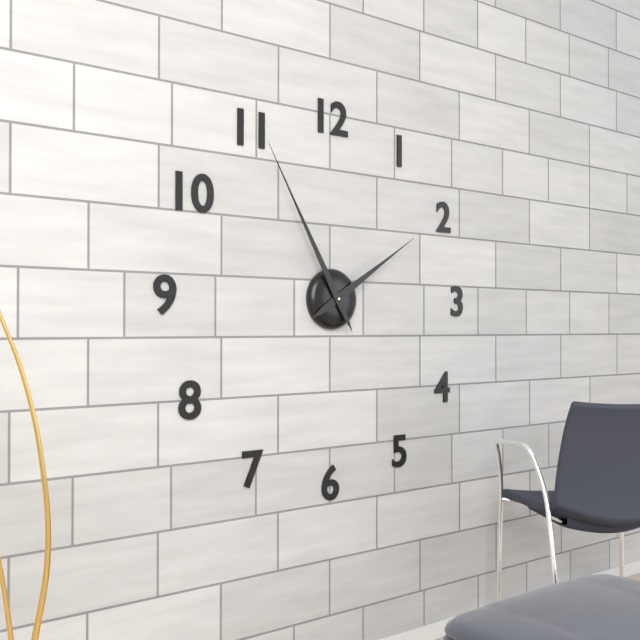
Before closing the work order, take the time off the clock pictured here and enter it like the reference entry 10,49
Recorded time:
1,55
